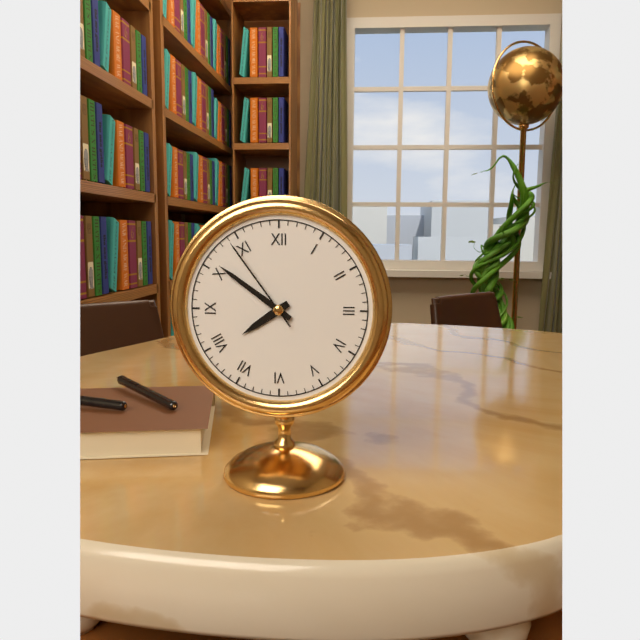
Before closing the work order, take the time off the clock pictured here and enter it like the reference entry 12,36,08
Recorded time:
7,51,54
